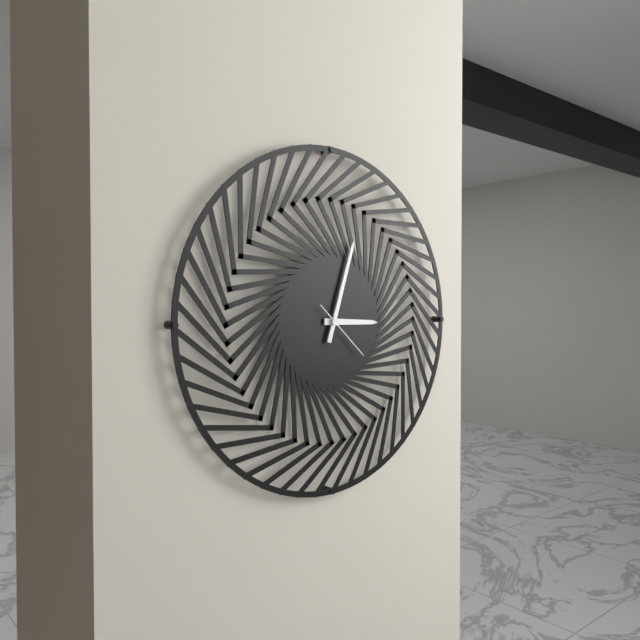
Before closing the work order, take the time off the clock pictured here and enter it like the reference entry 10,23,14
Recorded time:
3,03,22
